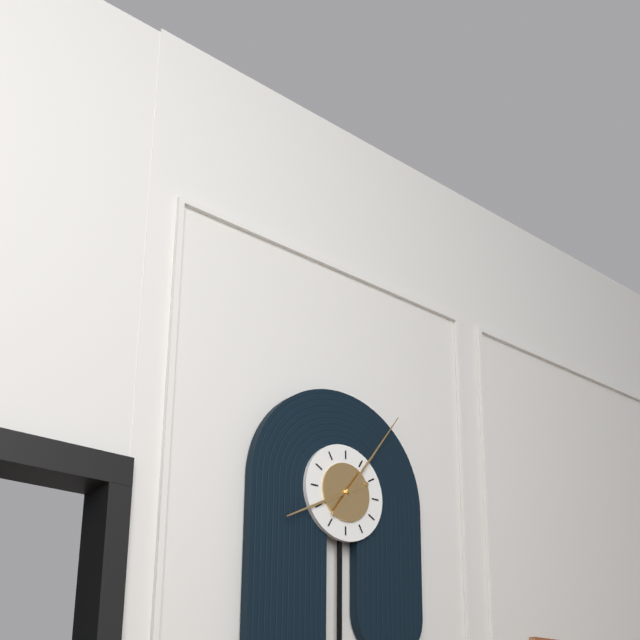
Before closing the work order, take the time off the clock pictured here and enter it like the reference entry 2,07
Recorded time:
8,06
